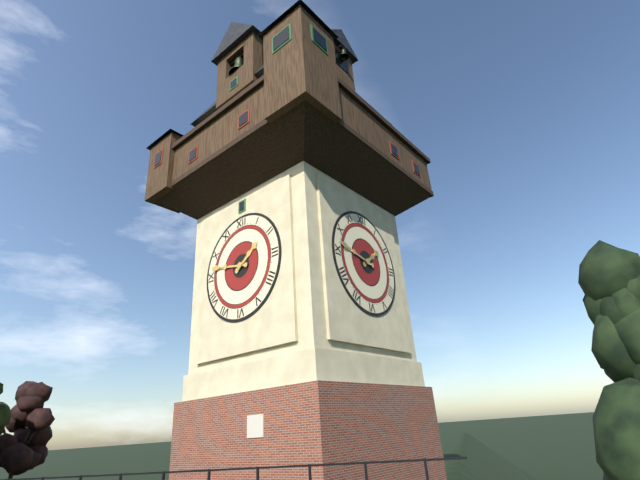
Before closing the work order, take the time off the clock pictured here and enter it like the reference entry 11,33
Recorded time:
1,47
